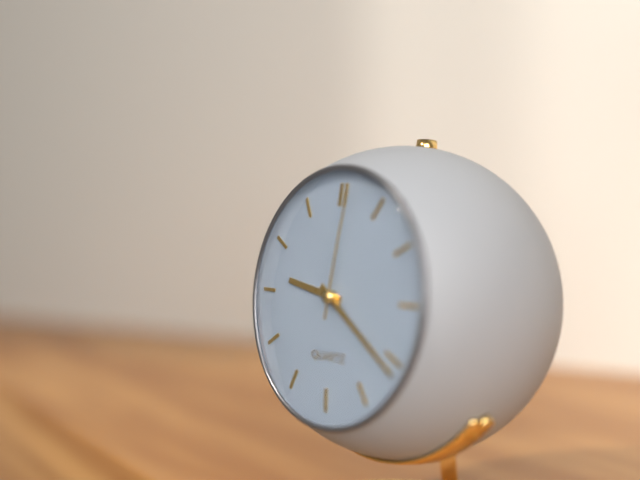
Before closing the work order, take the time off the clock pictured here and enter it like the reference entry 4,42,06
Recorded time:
9,21,01
